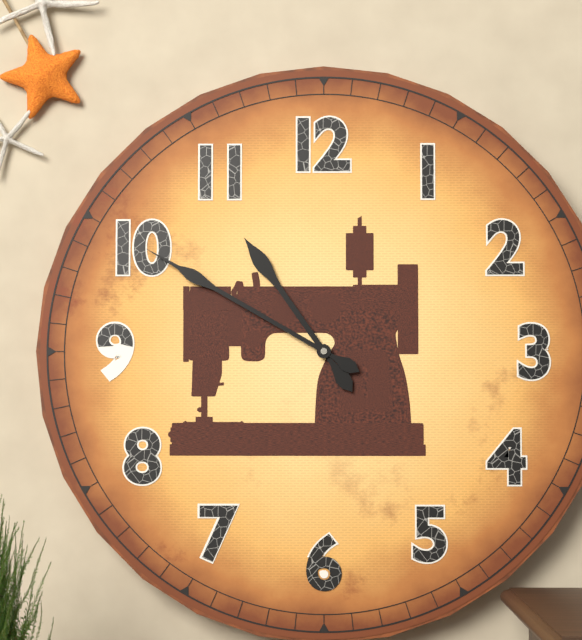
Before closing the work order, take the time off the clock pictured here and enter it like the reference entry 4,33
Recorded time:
10,50
